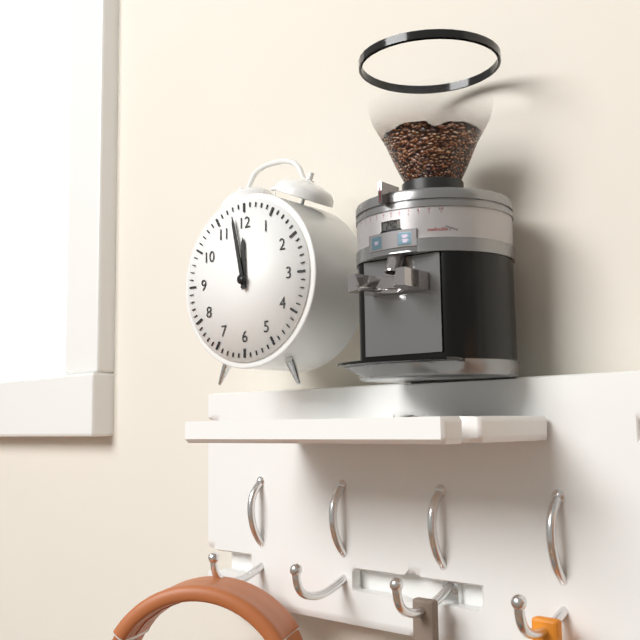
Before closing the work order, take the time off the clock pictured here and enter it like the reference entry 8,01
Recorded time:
11,58
